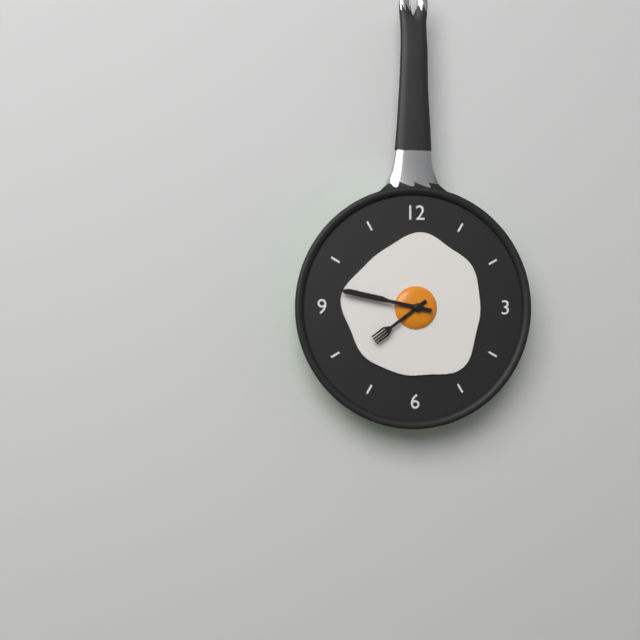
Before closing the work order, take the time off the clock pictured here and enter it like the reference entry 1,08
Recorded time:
7,47
